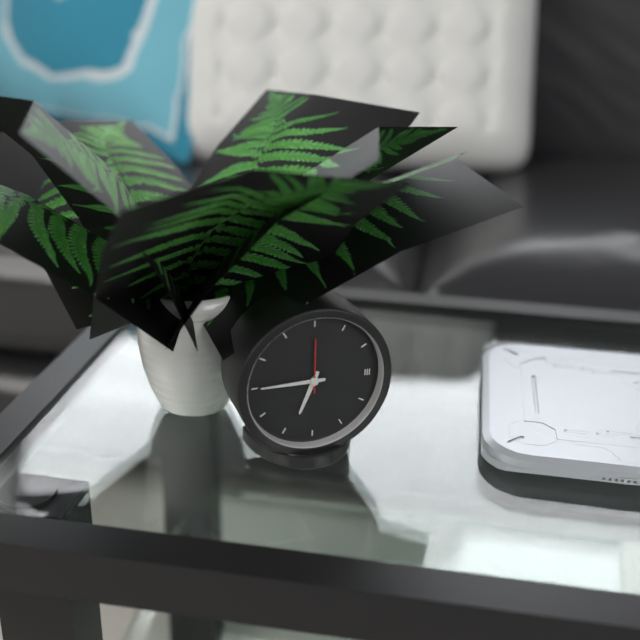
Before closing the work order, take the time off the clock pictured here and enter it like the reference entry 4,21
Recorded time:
6,45
